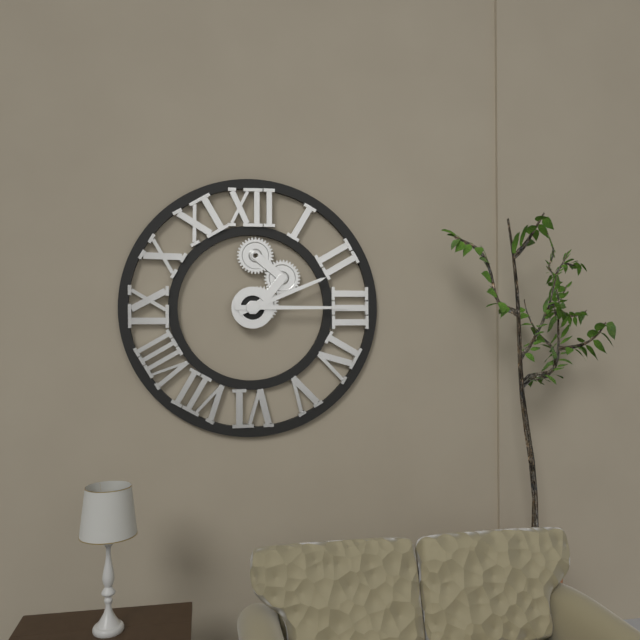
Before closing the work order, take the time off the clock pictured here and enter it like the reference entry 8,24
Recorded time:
2,15
